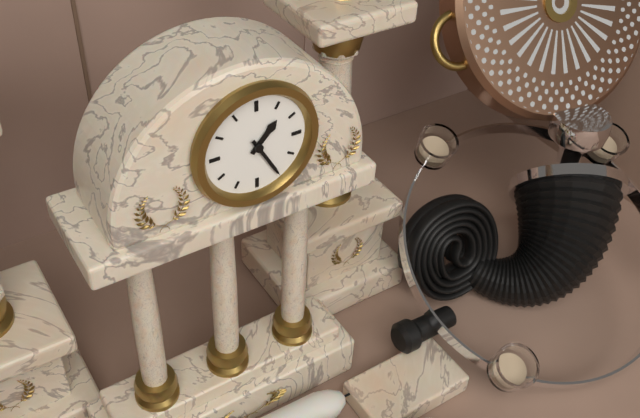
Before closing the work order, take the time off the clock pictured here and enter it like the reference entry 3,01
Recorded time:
1,25
